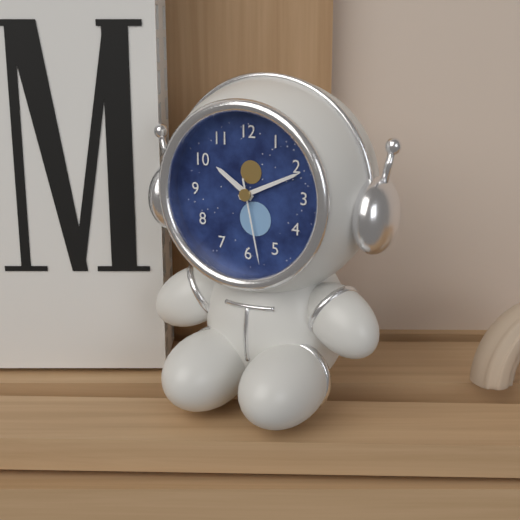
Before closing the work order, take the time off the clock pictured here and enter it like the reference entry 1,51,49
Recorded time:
10,11,28
